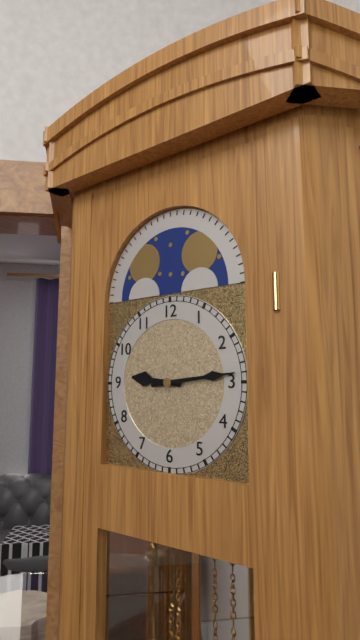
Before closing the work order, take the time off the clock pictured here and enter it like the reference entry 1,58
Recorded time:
9,14
